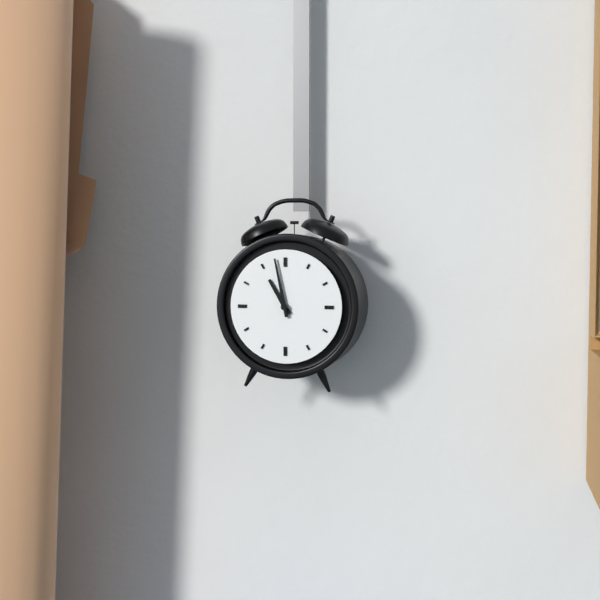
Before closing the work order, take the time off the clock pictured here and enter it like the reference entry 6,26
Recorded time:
10,58
